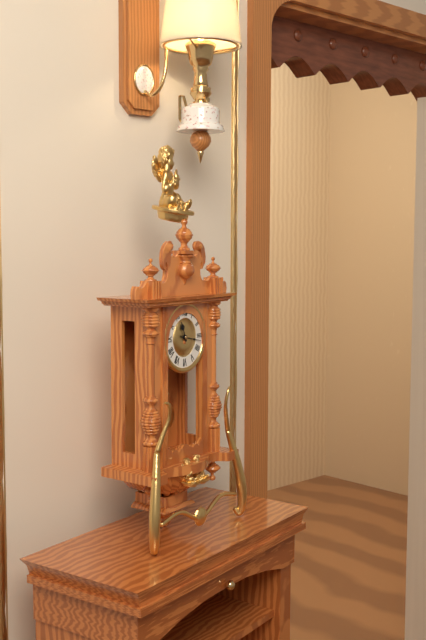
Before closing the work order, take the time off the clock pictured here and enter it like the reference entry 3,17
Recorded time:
11,17
